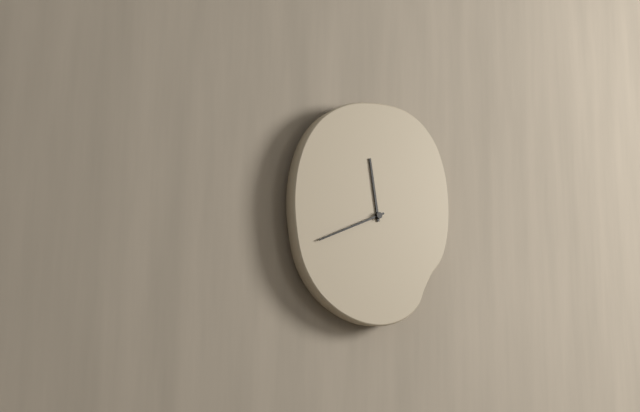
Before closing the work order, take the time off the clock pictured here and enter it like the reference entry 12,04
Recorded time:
11,41
